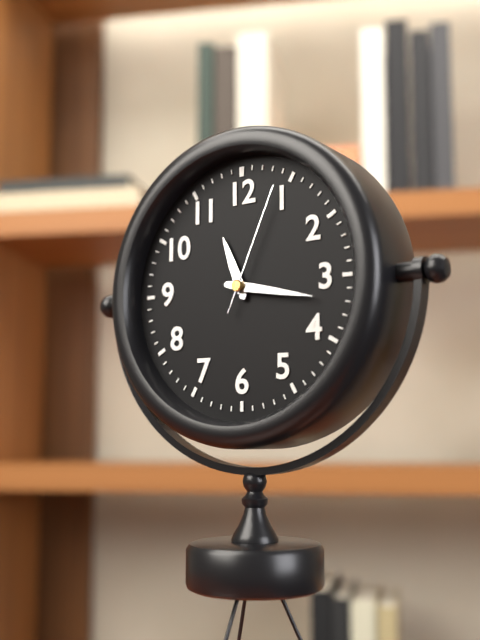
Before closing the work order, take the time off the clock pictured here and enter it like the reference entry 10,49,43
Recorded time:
11,17,04
